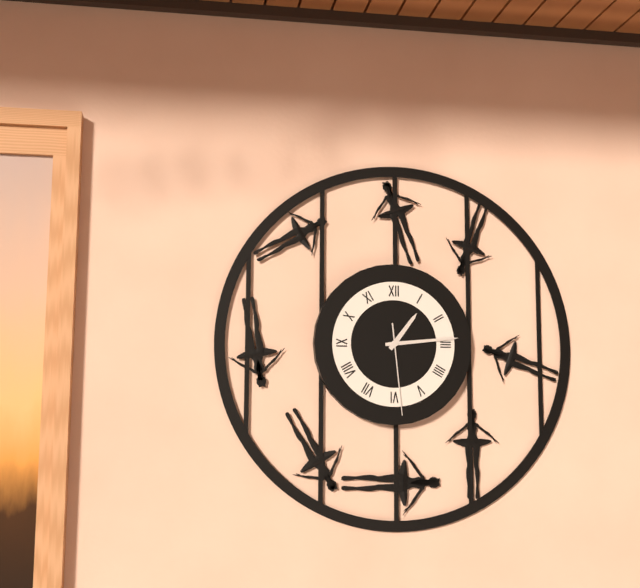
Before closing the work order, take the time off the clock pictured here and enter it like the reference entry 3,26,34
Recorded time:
1,14,29
